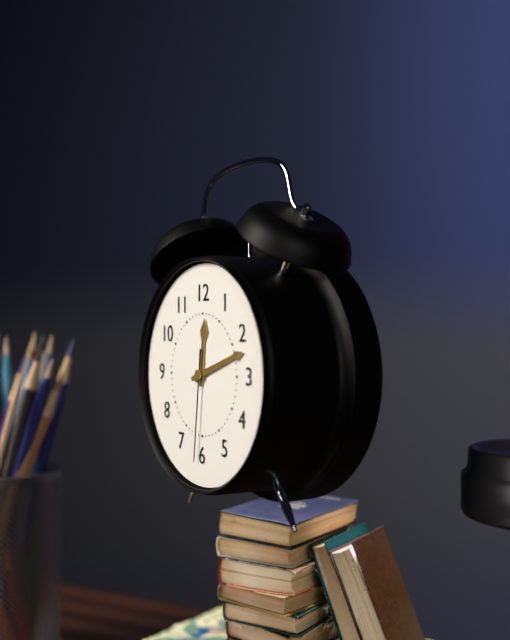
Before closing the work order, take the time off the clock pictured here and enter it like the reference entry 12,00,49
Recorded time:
12,12,31
